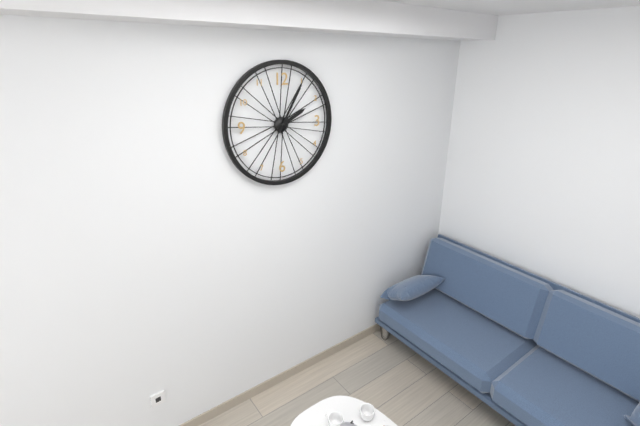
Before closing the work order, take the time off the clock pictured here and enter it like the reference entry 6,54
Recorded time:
2,05
